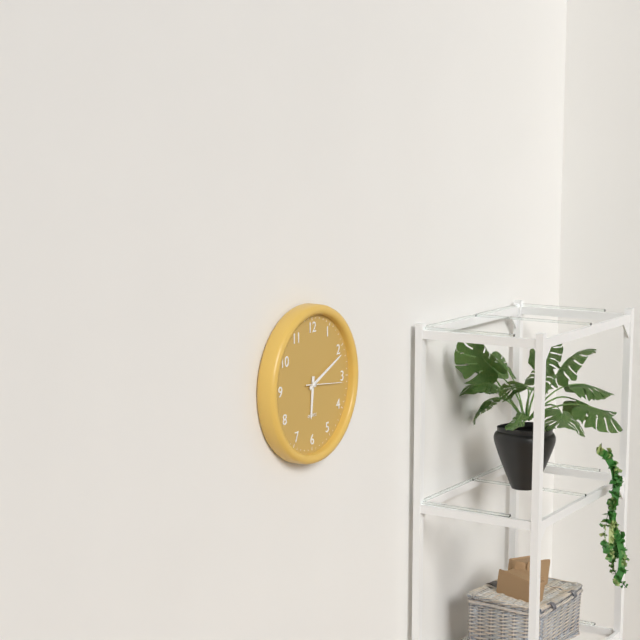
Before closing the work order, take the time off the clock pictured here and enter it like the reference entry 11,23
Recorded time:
6,11
